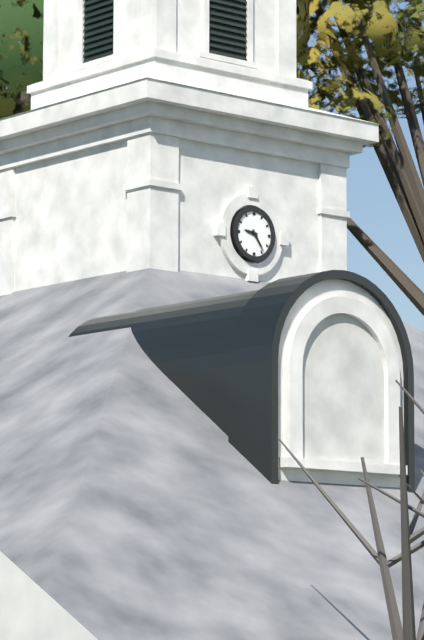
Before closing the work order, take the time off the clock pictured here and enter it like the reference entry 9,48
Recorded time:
9,24
